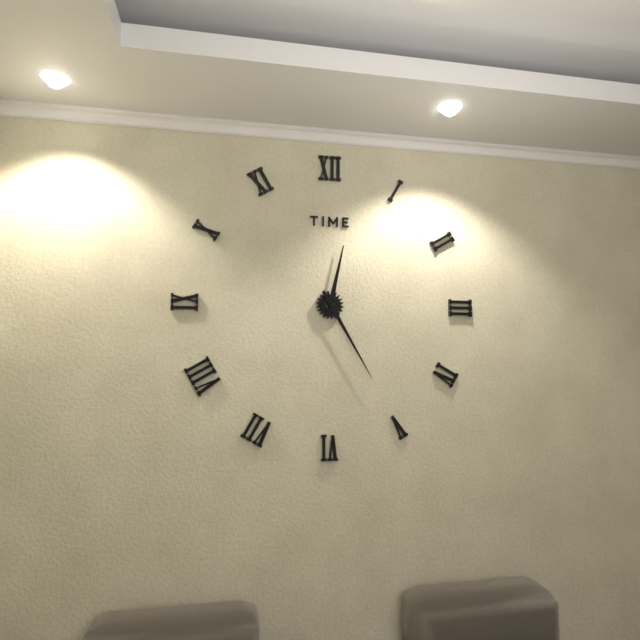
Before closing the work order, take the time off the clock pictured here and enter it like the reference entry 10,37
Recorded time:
12,25
